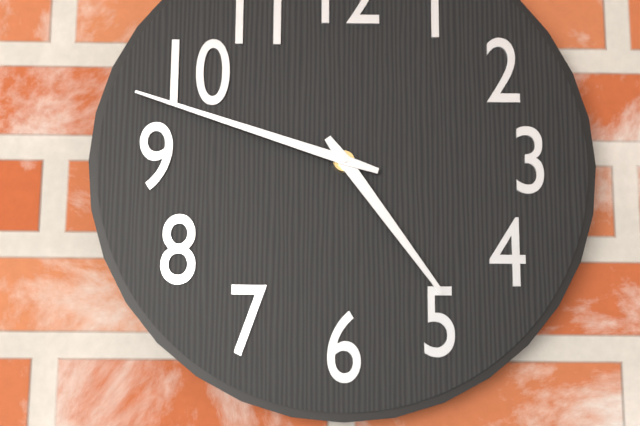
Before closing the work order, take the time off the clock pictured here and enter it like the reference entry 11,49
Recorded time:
4,48
